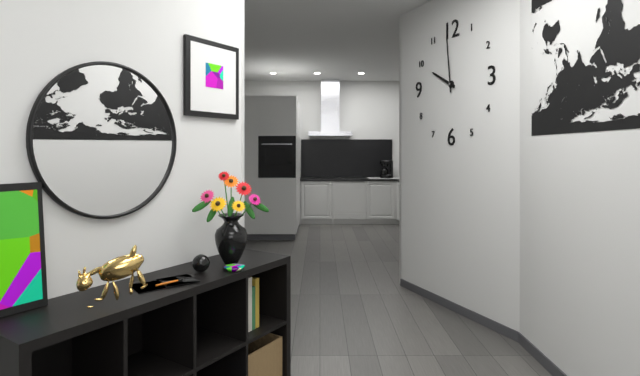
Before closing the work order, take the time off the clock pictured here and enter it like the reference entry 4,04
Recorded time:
9,59
